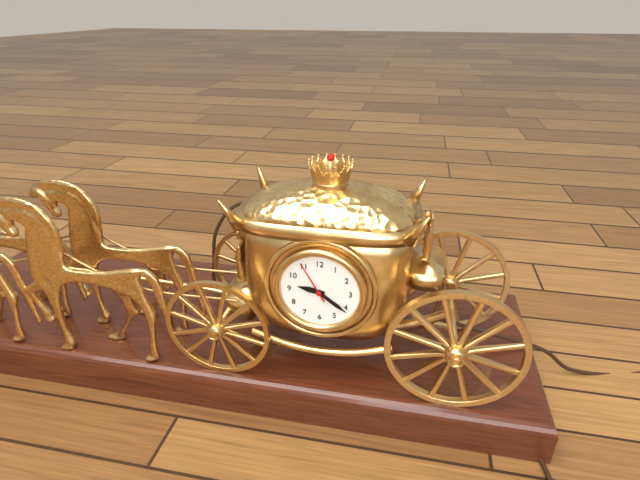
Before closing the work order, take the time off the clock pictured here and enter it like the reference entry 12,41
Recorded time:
9,21
